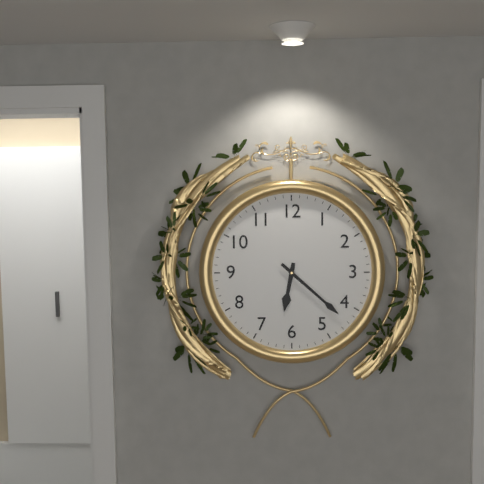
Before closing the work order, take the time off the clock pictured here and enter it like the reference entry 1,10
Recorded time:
6,22
